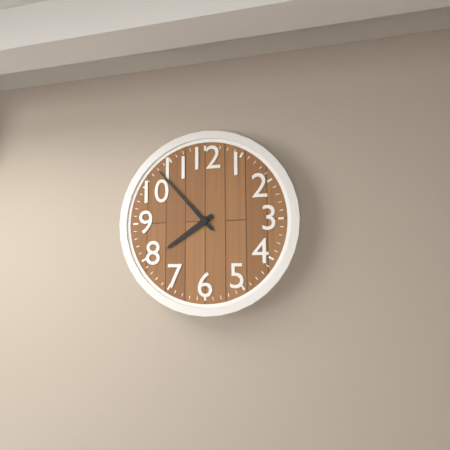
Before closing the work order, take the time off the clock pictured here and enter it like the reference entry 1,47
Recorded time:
7,53
